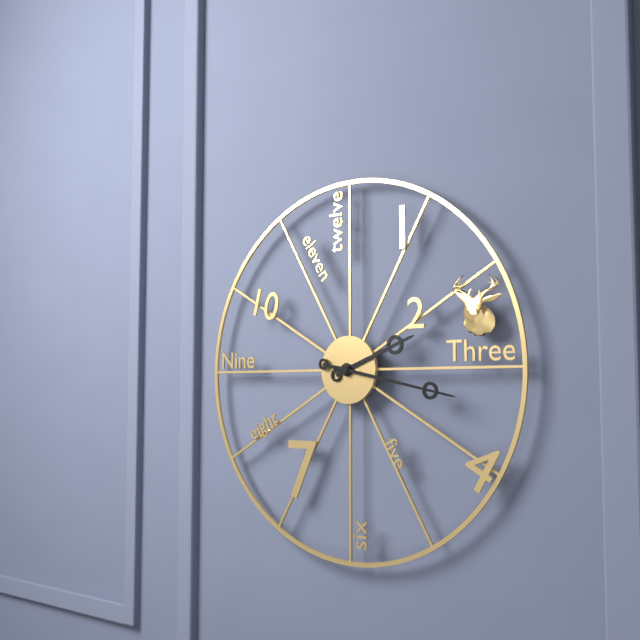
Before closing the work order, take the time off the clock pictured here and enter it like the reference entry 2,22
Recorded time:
2,17
